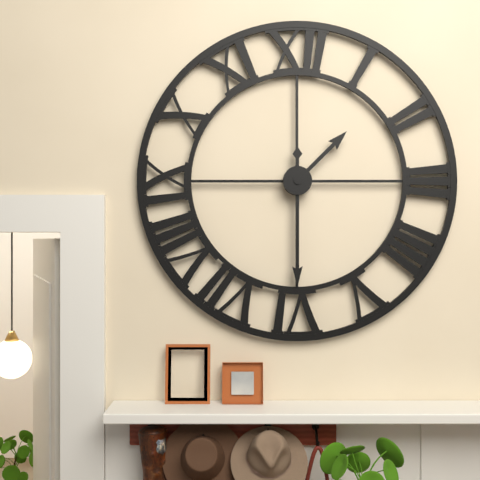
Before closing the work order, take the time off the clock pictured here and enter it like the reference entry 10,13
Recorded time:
1,30
